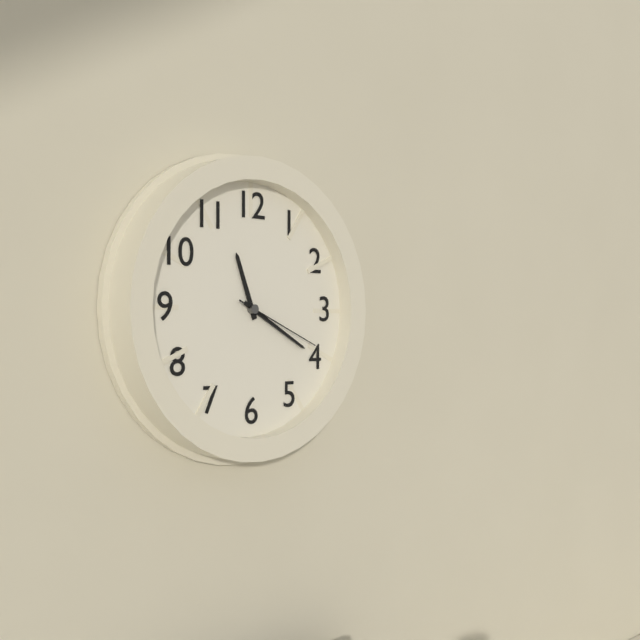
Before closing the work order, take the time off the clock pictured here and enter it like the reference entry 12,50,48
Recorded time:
11,20,19
